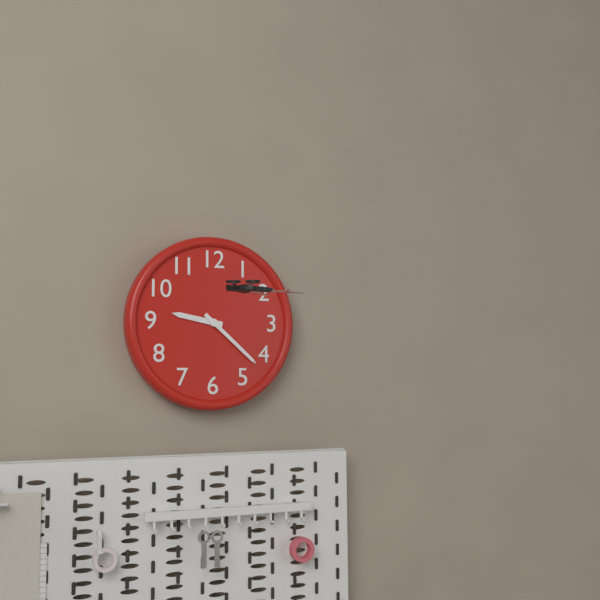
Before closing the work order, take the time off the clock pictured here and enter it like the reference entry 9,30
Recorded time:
9,22
